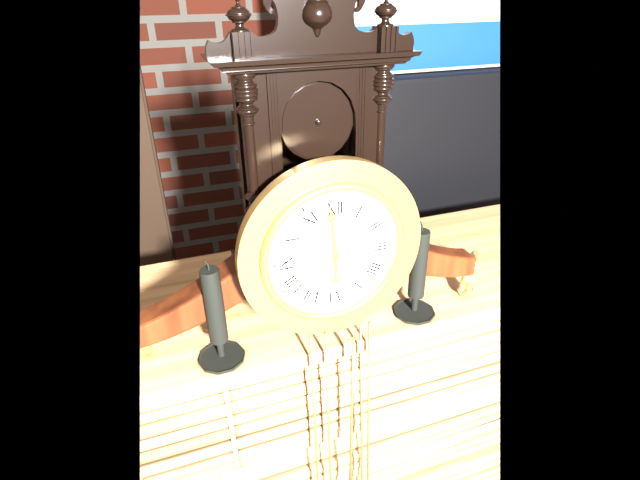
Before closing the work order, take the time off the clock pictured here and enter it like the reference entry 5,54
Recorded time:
5,59
